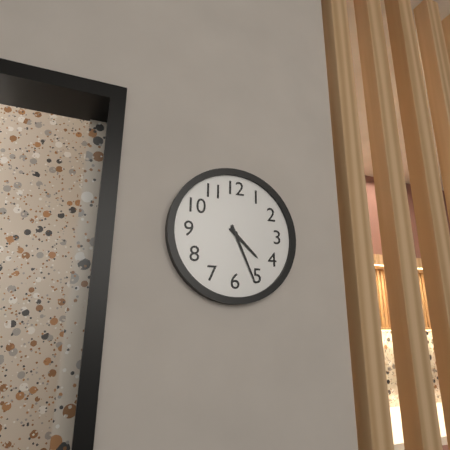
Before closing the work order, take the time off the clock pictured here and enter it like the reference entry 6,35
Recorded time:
4,26
